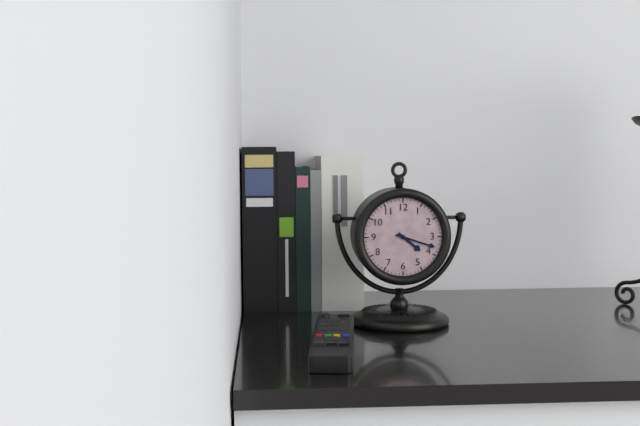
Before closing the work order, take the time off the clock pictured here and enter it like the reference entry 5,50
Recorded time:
4,18
